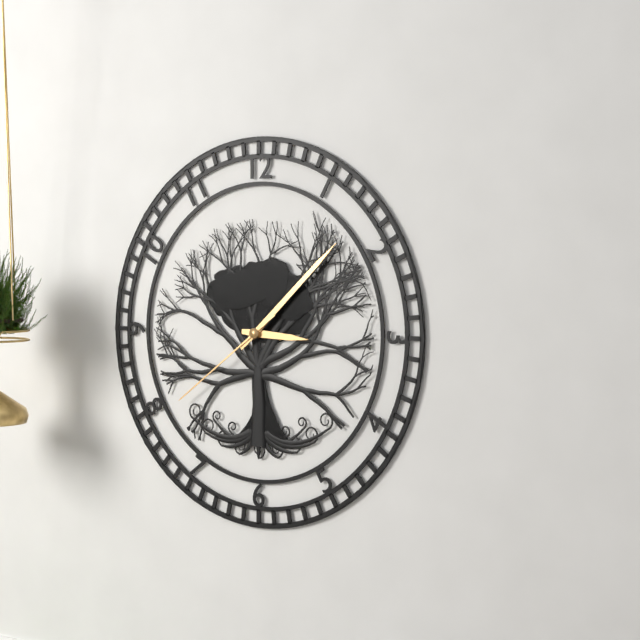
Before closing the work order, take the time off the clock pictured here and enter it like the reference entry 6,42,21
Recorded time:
3,08,39
